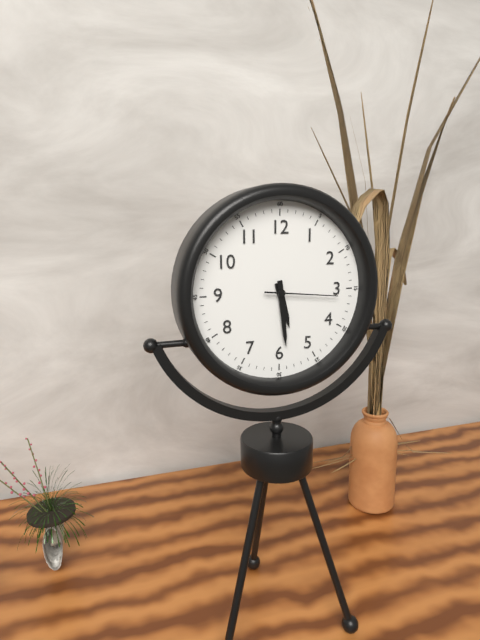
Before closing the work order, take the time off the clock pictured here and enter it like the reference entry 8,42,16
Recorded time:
5,29,16
